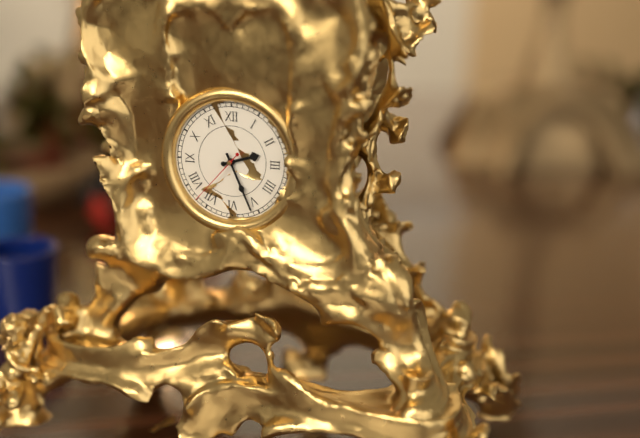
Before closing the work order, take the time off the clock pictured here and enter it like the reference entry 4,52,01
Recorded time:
2,26,37
